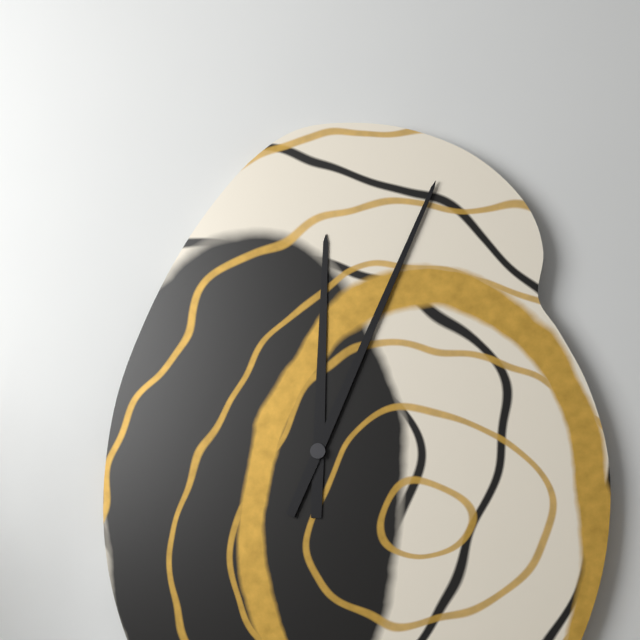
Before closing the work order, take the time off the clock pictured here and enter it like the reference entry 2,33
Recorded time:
12,04
